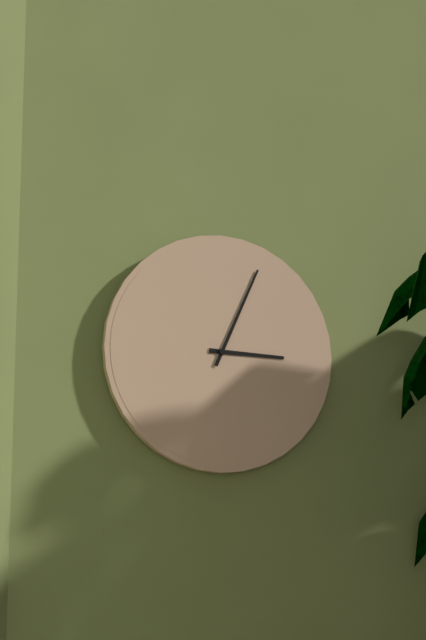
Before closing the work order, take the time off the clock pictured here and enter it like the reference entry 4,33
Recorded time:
3,04
